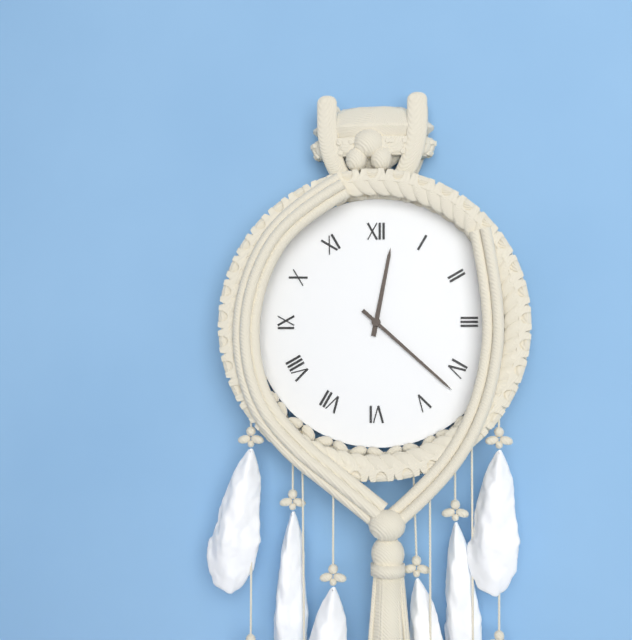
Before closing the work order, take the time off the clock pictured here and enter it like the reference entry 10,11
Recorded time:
12,22
